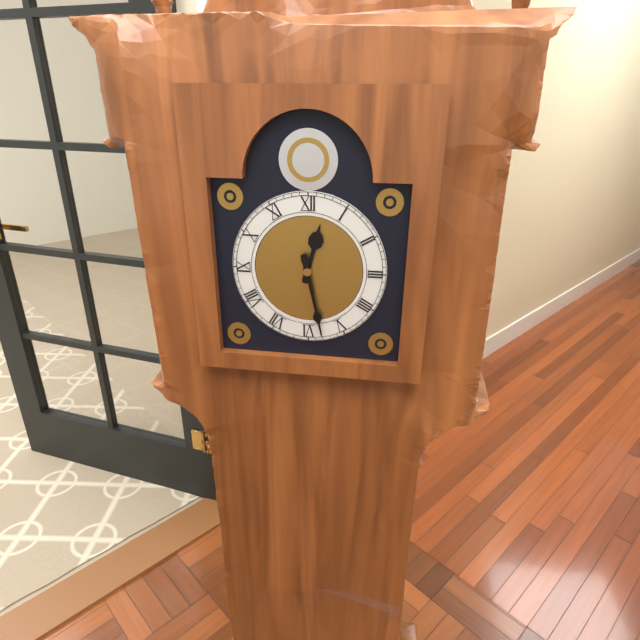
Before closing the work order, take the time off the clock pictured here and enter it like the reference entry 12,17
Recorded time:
12,28
